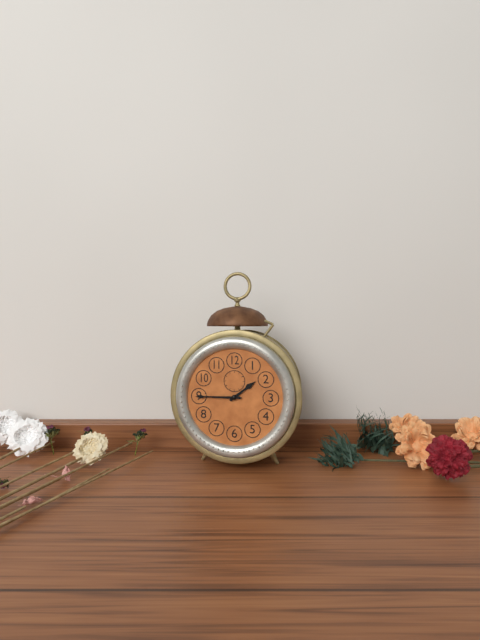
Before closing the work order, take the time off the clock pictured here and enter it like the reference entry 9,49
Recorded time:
1,45
